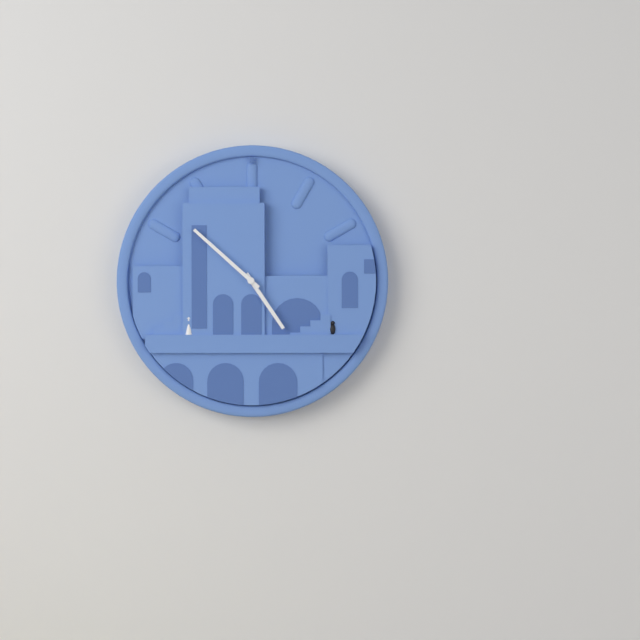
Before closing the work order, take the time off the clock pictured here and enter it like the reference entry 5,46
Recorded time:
4,52
